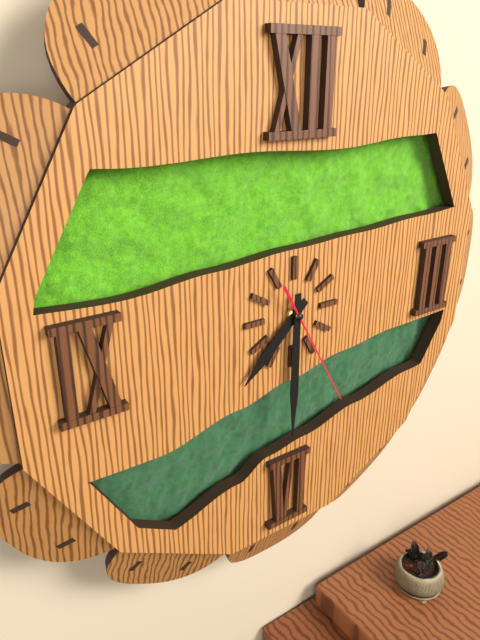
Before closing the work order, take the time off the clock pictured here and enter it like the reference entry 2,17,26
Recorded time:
7,30,25
